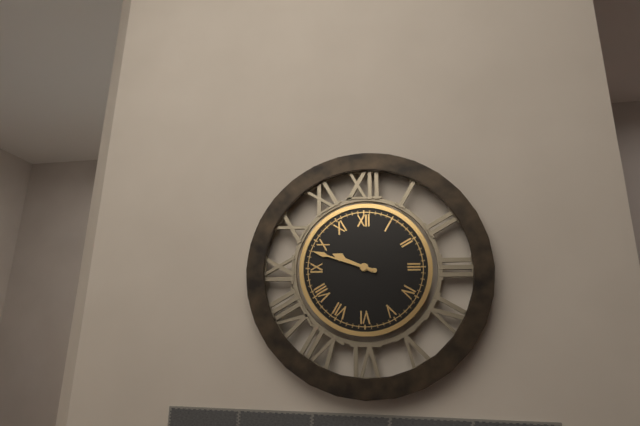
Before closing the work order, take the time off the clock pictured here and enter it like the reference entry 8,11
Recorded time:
9,48
